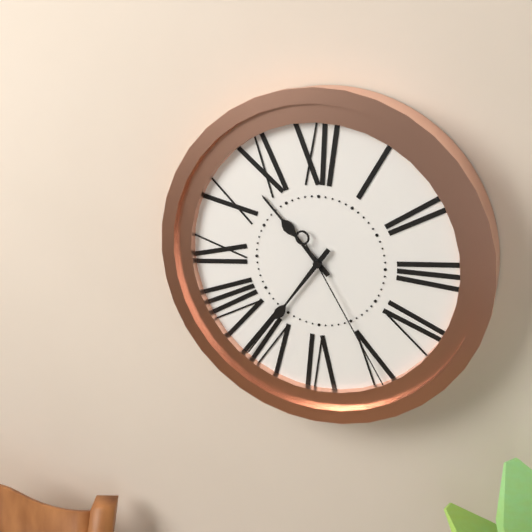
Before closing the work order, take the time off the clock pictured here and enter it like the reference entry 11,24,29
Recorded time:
10,36,25
